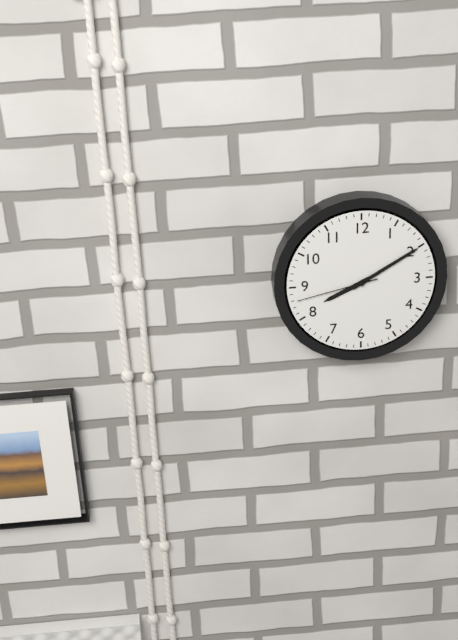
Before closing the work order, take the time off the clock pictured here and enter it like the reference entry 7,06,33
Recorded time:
8,10,43
